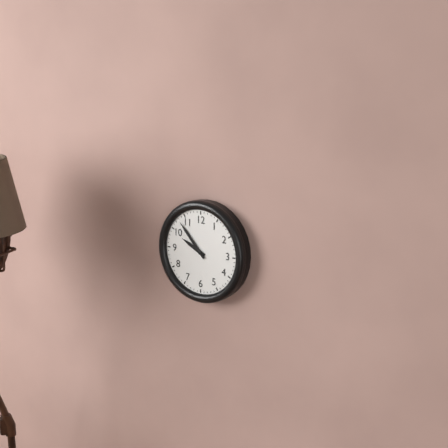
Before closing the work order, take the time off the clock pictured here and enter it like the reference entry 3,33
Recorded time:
9,53
